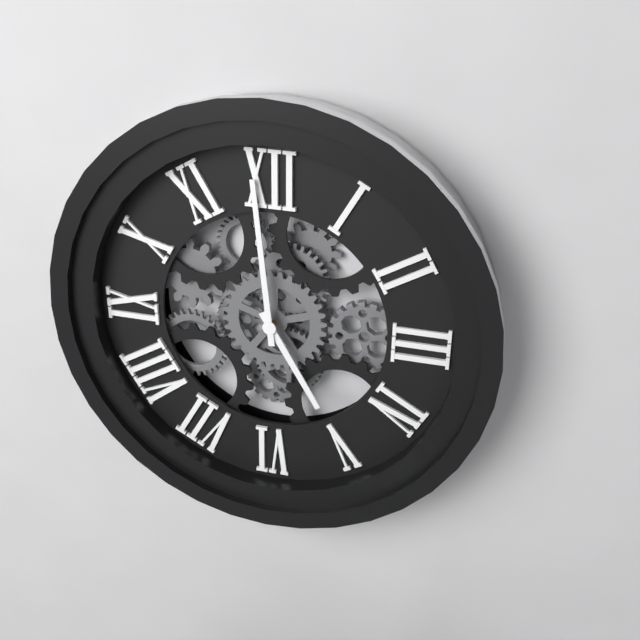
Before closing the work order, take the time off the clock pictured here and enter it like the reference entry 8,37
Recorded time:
4,59
